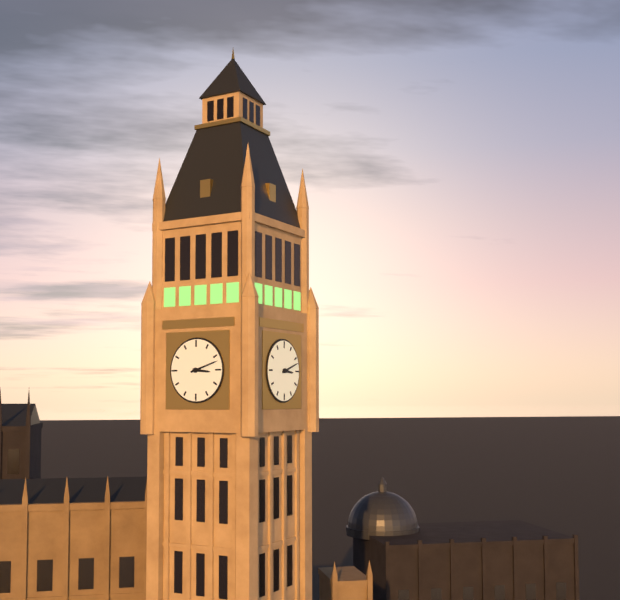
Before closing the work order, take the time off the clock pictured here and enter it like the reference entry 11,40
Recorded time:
3,12
